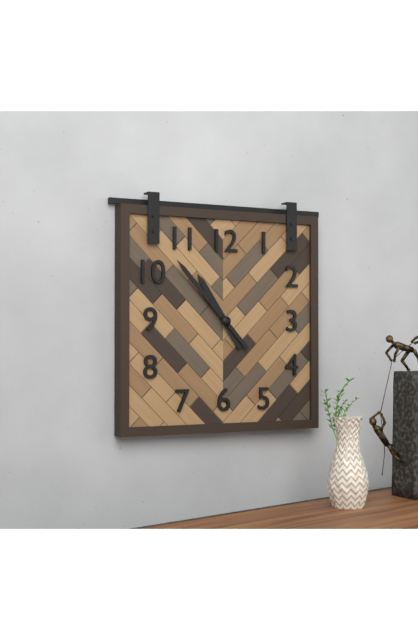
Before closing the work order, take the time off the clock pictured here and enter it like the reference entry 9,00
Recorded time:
10,53
